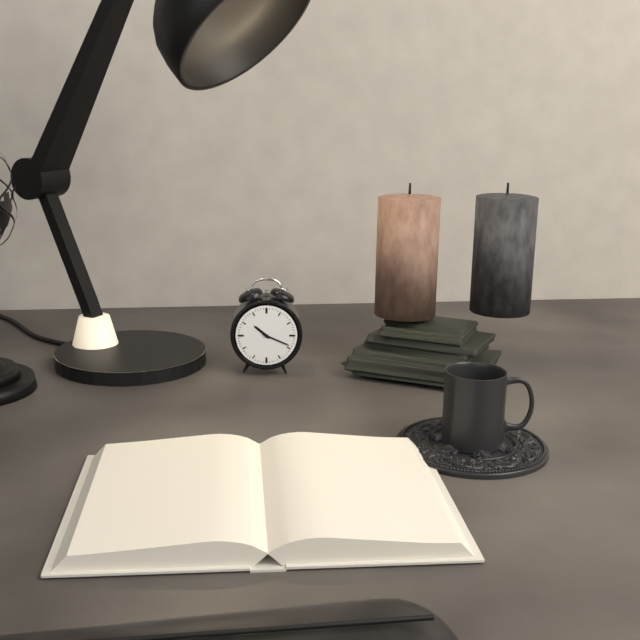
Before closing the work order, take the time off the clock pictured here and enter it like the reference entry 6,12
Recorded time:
10,19
